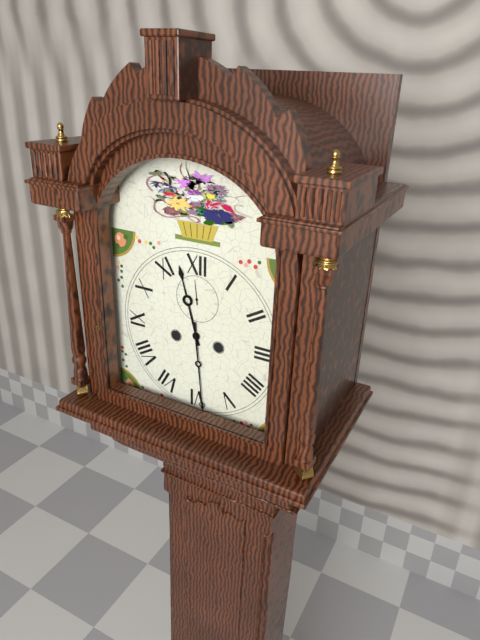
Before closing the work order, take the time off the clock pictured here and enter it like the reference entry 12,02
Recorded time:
11,29
